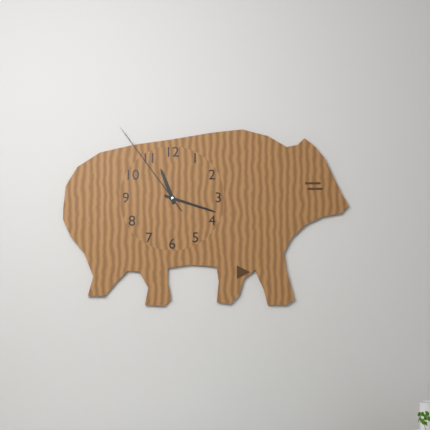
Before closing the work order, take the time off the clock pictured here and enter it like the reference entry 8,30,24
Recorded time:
11,18,54
